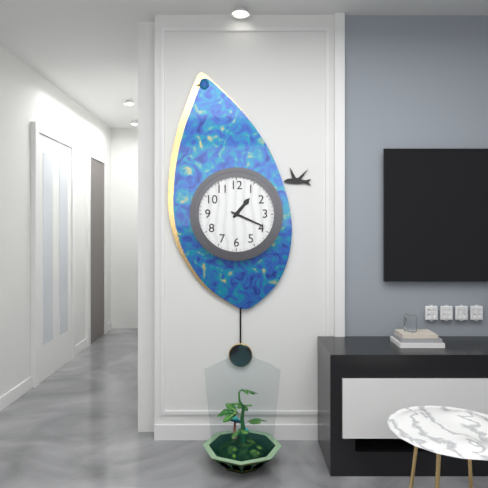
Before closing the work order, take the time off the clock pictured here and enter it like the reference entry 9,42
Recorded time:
1,19
